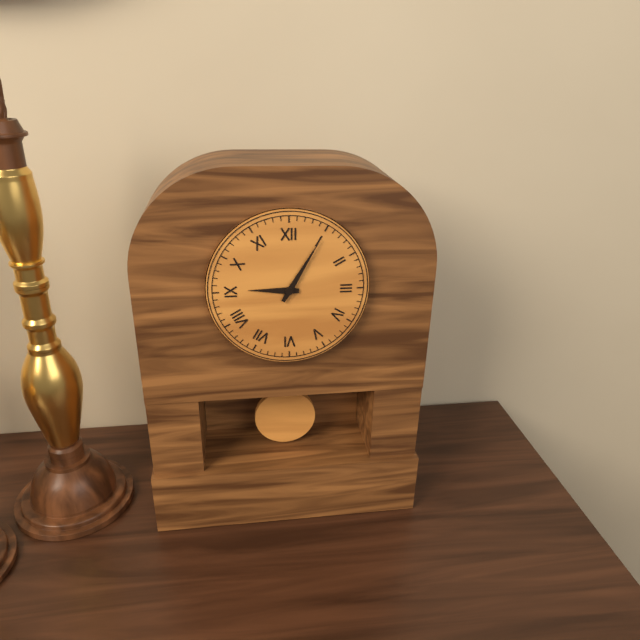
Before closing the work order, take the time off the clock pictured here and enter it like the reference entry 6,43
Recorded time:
9,05
